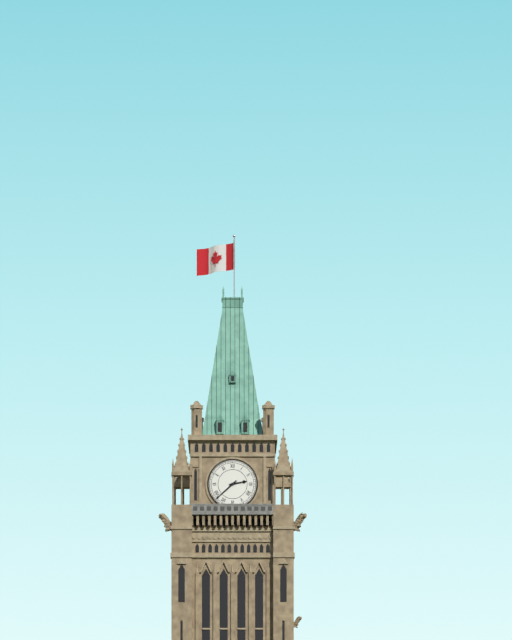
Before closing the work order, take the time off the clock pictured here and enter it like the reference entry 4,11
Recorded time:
2,38
